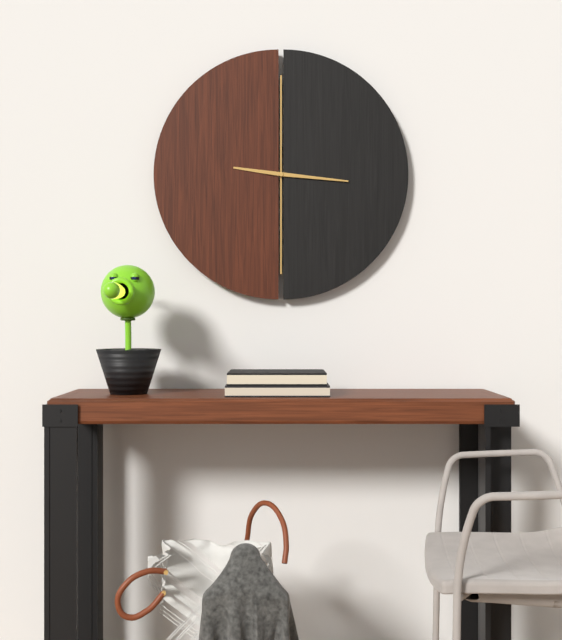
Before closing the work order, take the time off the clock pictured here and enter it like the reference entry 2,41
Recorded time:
9,16
